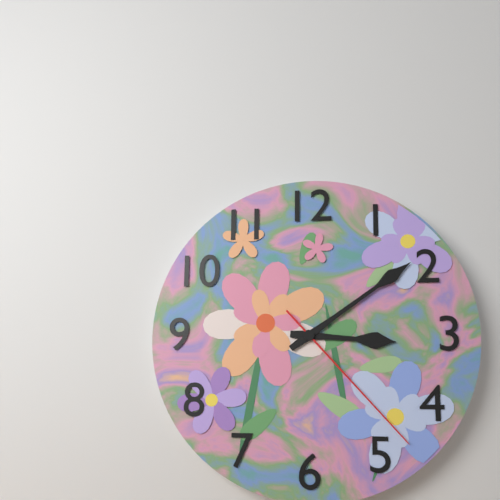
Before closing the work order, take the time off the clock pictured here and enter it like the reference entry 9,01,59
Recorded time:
3,09,23
